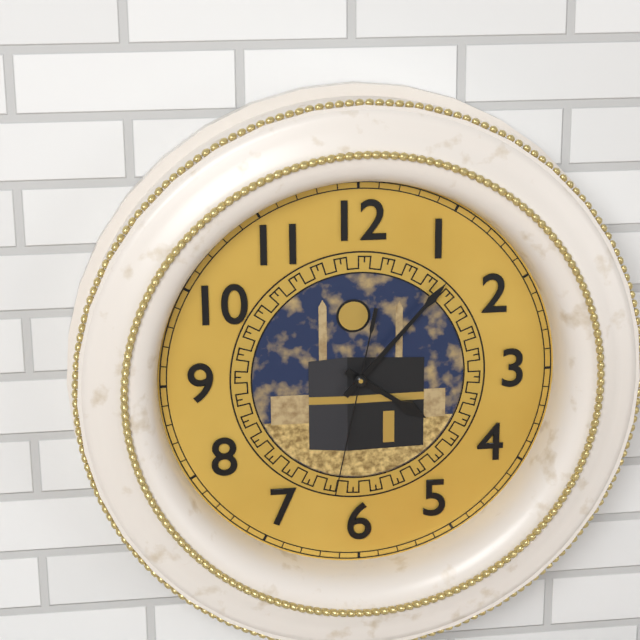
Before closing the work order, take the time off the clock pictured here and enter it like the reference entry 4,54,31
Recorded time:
4,07,32
